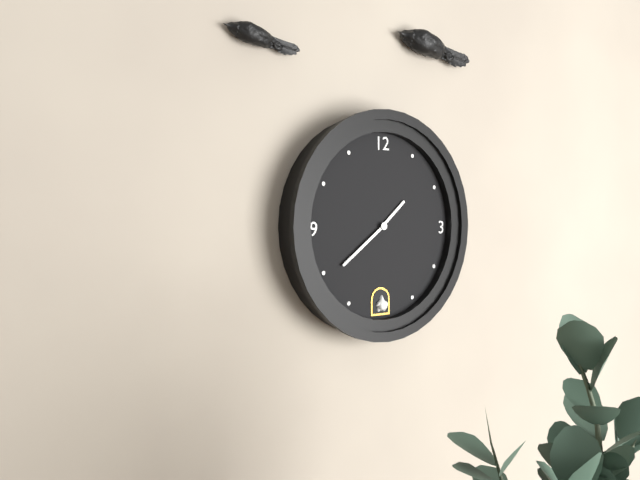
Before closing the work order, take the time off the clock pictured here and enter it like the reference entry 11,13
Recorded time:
1,39
